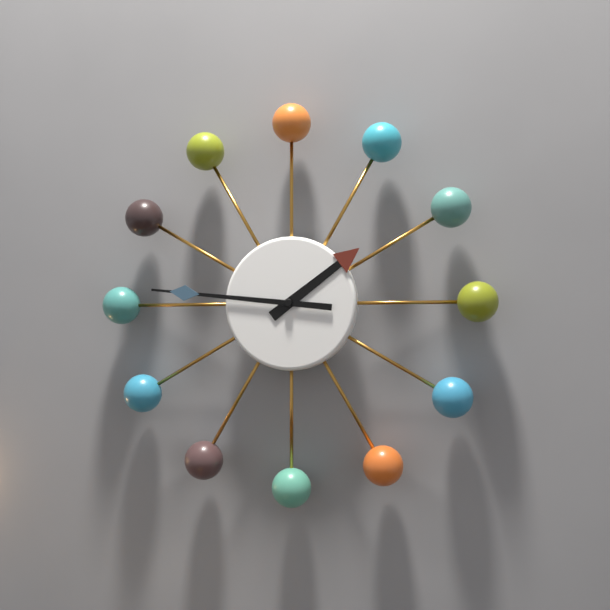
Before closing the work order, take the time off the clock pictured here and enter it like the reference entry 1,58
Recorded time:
1,46
